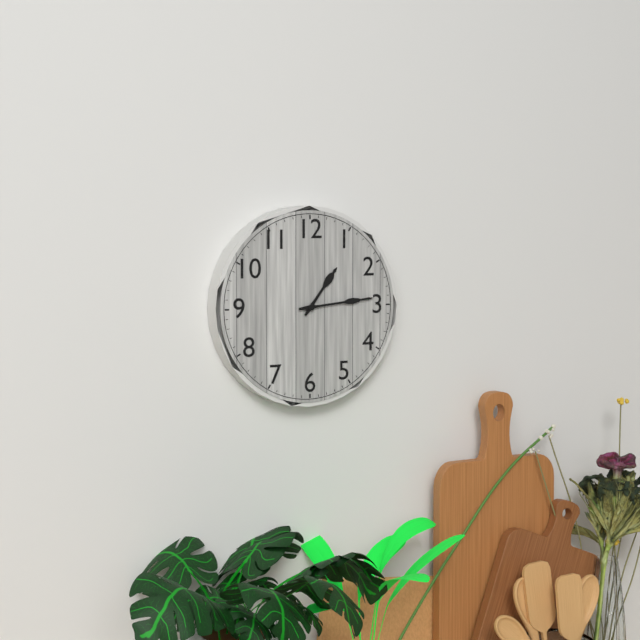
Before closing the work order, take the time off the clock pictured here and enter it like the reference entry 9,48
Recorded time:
1,14
